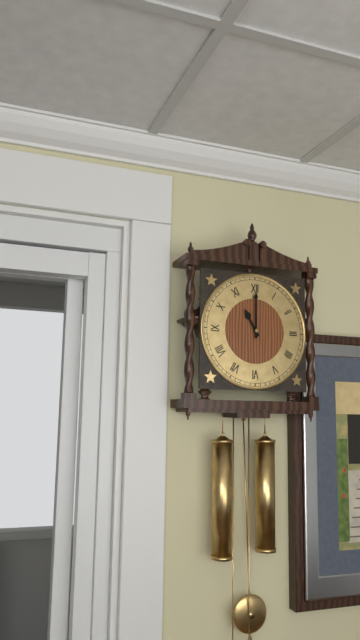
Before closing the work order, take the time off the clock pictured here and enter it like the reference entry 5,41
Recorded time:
11,00
